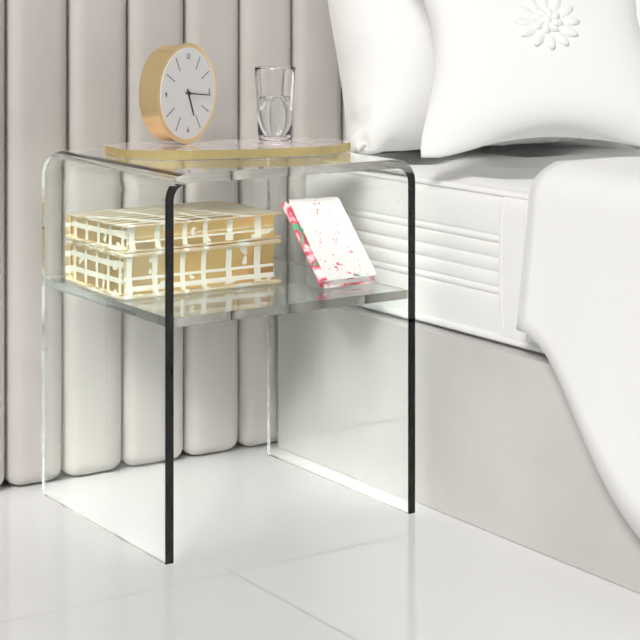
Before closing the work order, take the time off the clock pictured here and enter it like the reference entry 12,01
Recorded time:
5,16
